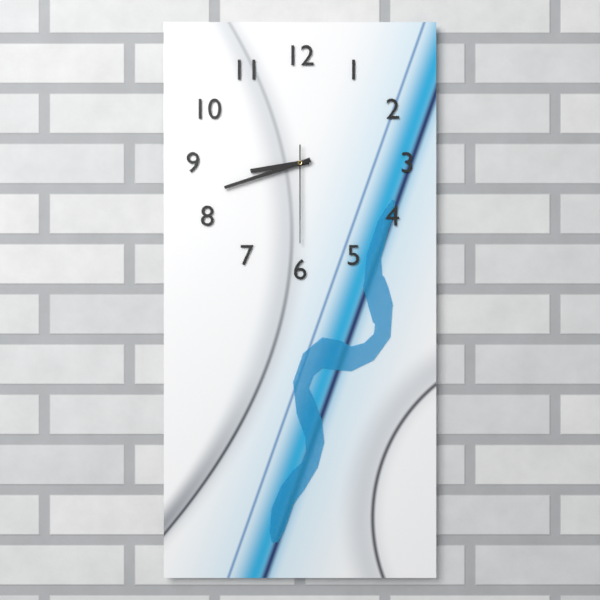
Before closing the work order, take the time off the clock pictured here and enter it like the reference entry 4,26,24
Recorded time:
8,42,30
